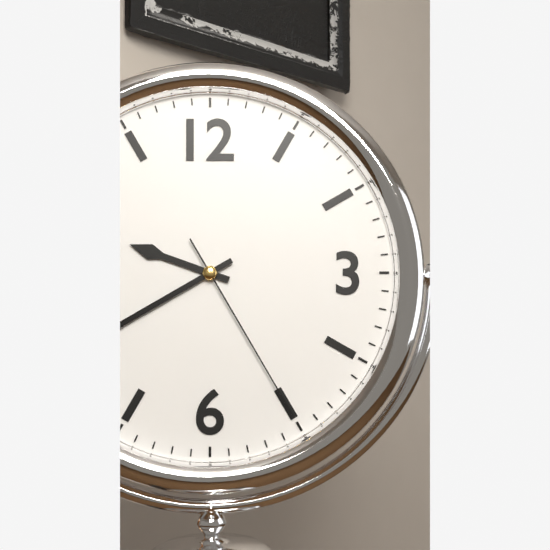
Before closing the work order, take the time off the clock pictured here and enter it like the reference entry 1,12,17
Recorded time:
9,40,25
